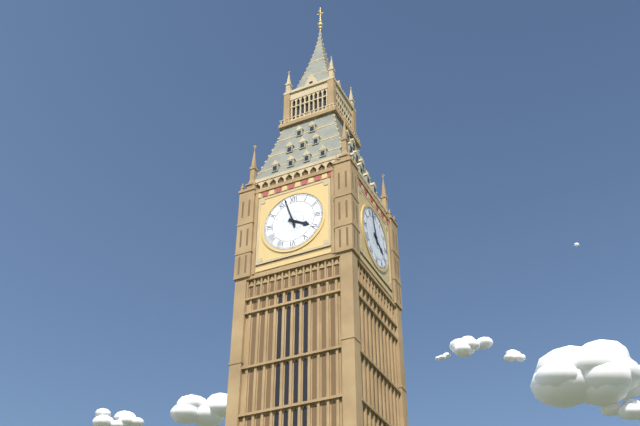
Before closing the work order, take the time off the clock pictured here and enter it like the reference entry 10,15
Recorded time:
3,57
